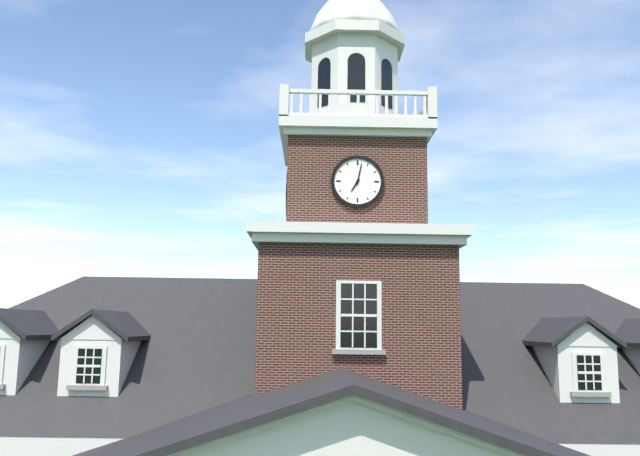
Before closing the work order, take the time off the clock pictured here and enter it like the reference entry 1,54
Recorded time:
7,02
